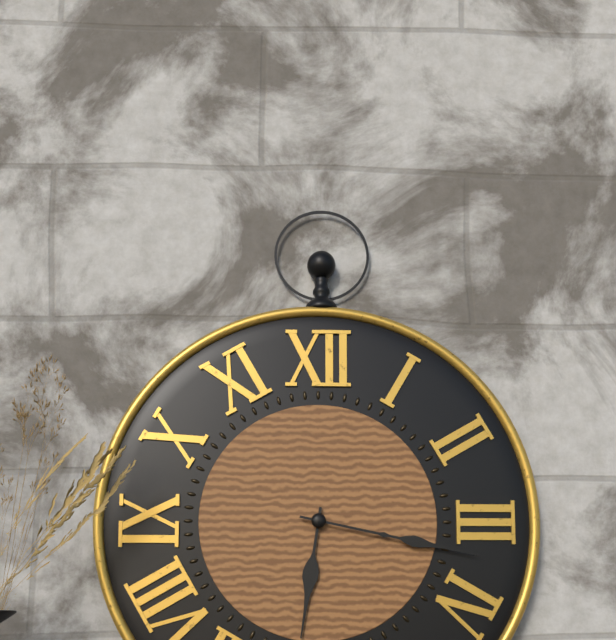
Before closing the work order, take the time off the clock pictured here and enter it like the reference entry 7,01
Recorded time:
6,17
